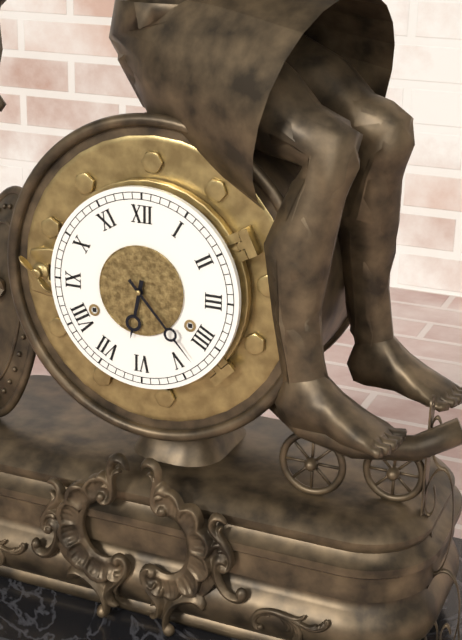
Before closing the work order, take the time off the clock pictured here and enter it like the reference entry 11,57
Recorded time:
6,23
